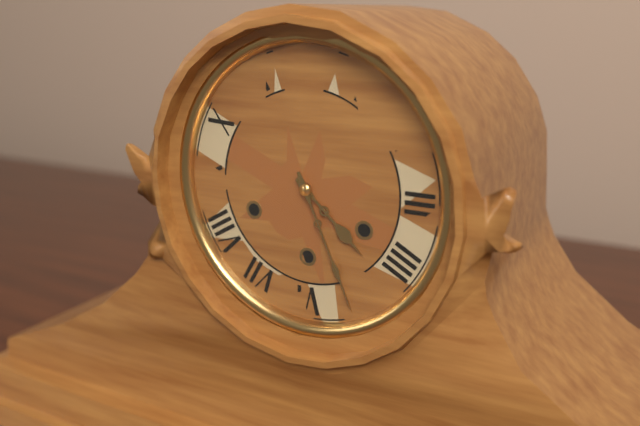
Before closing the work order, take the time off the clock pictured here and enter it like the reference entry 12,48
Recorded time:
4,26
